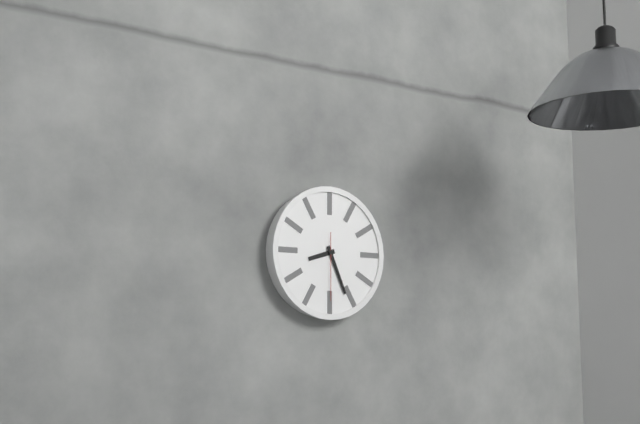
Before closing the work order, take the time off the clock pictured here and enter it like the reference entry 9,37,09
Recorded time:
8,26,30
